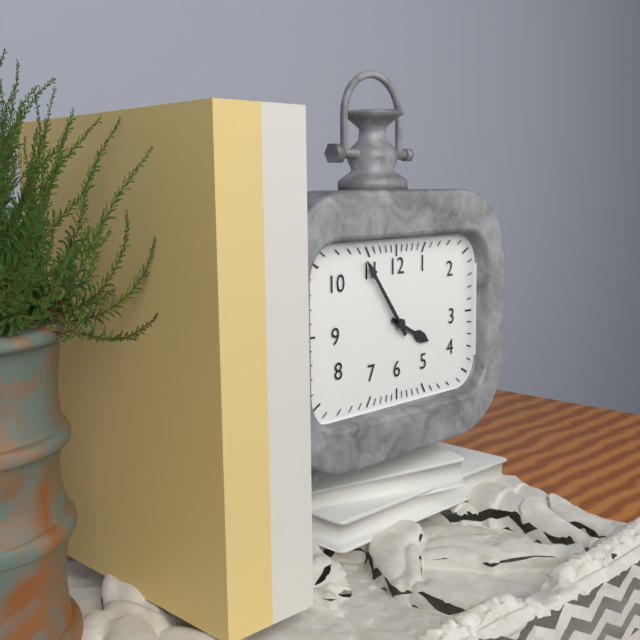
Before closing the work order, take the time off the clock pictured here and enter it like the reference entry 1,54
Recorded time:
3,54
